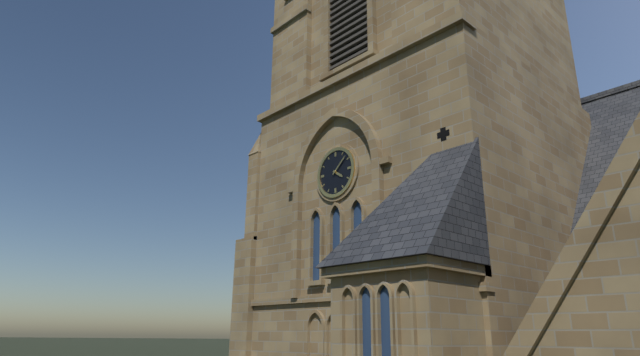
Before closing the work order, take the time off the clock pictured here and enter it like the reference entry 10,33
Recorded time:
4,08
